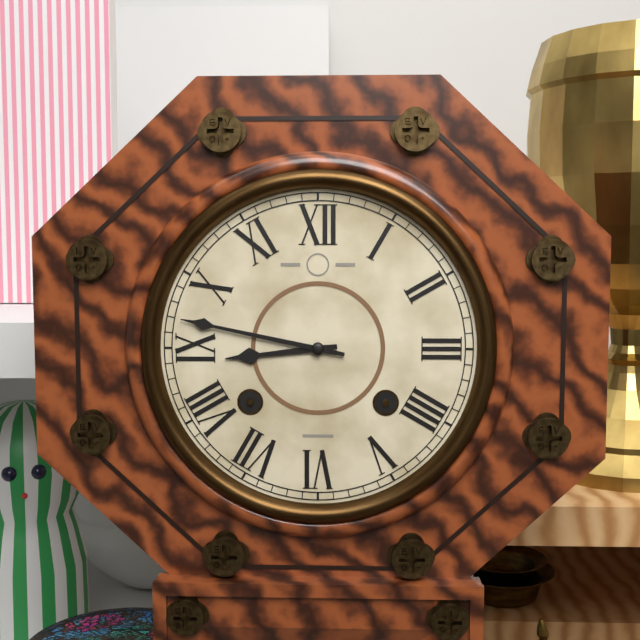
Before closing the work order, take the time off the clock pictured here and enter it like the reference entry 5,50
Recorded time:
8,47
